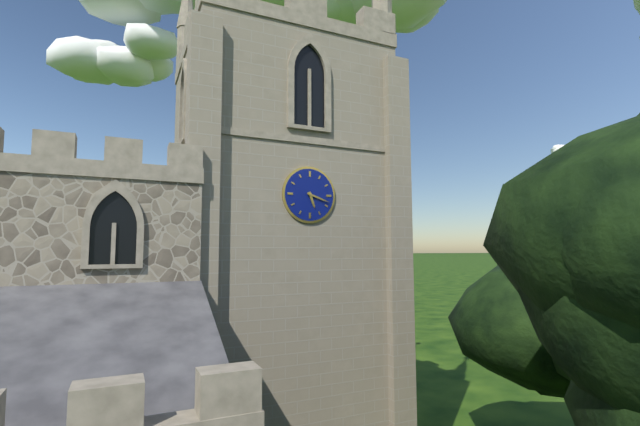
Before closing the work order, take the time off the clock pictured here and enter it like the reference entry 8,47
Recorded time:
5,18
